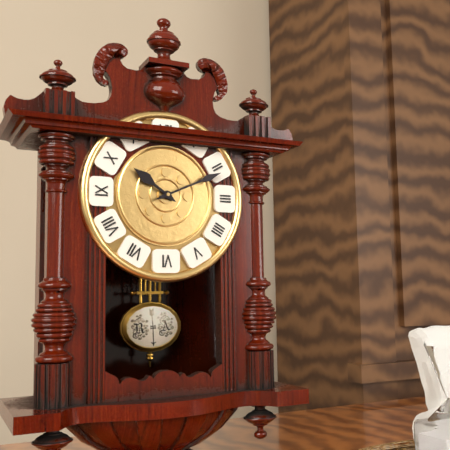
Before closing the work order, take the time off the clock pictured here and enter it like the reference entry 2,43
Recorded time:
10,11
